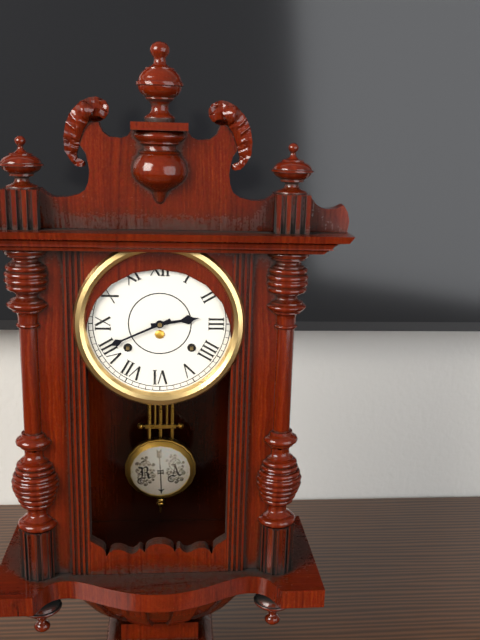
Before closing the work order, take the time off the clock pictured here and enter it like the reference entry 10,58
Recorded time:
2,41
